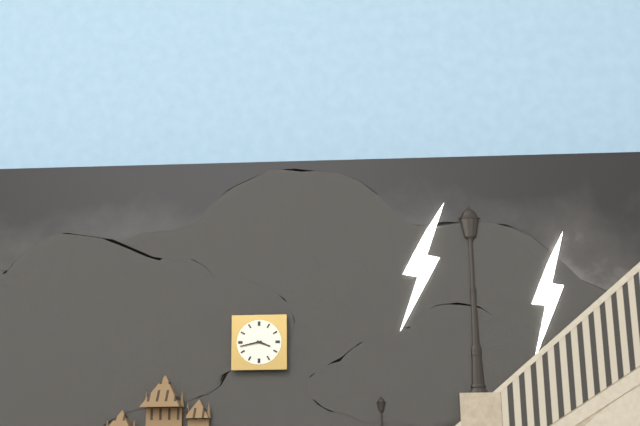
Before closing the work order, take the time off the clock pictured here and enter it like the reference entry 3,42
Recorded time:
3,43
